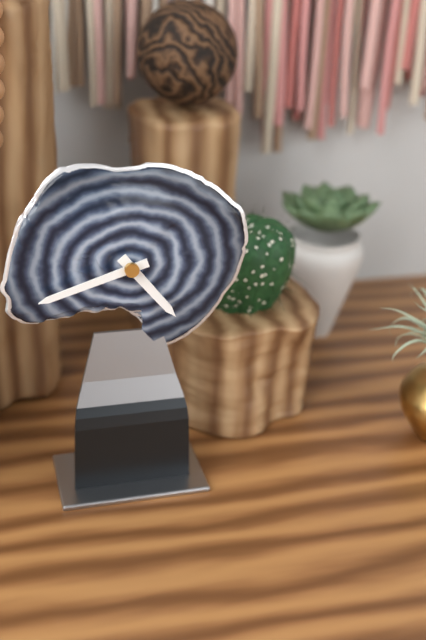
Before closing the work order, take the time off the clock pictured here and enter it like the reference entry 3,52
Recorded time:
4,42
